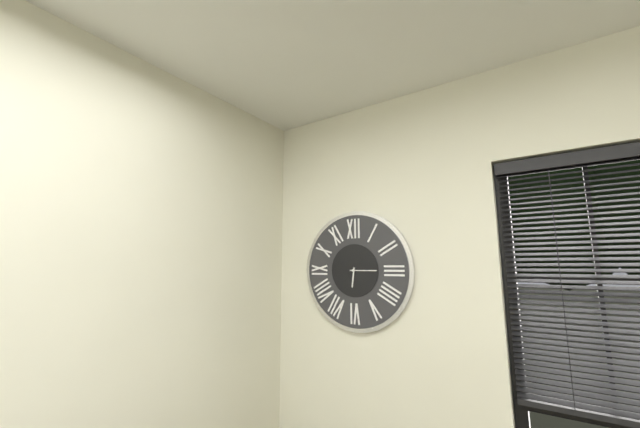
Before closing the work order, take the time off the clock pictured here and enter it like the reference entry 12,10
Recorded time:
6,15
